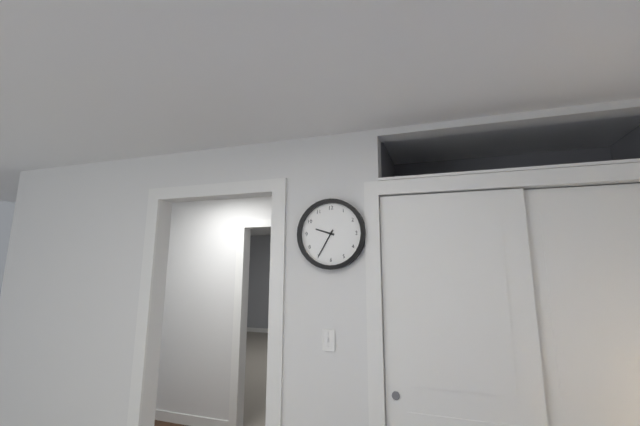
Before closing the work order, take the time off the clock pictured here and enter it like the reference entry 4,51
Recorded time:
9,35
